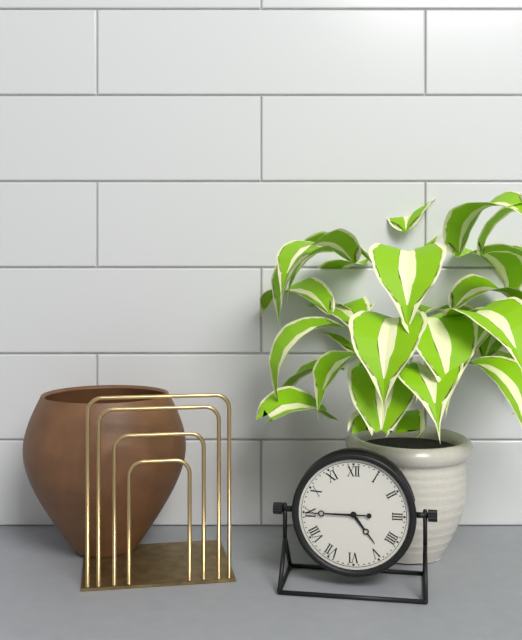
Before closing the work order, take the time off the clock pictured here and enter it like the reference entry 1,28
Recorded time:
4,45
